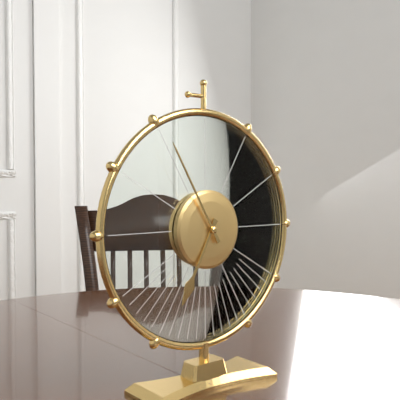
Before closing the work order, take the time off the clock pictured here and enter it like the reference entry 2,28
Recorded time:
6,55
